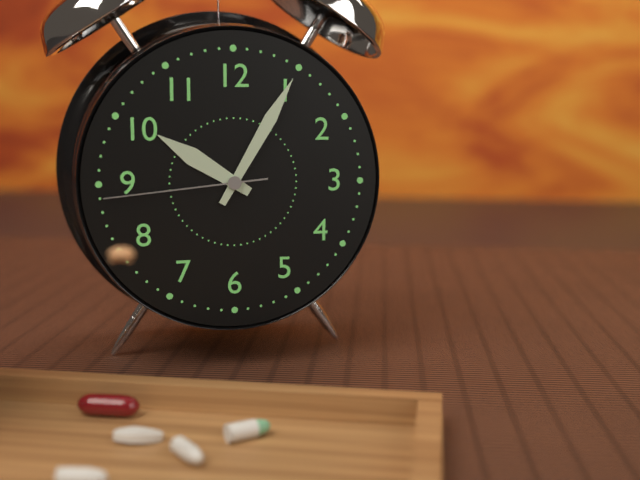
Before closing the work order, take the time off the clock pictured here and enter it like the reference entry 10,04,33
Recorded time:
10,05,44
